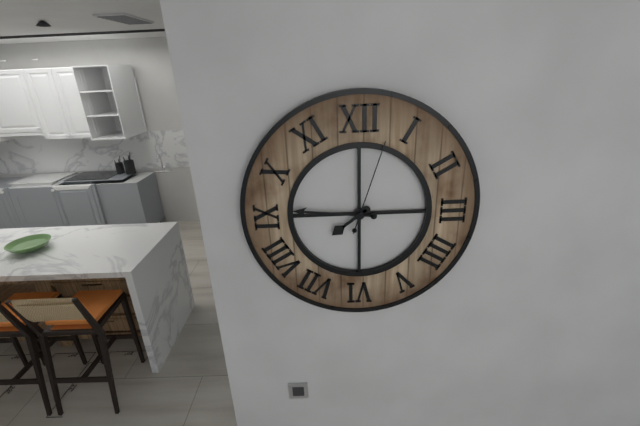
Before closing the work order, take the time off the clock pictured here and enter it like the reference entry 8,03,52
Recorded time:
7,46,03
